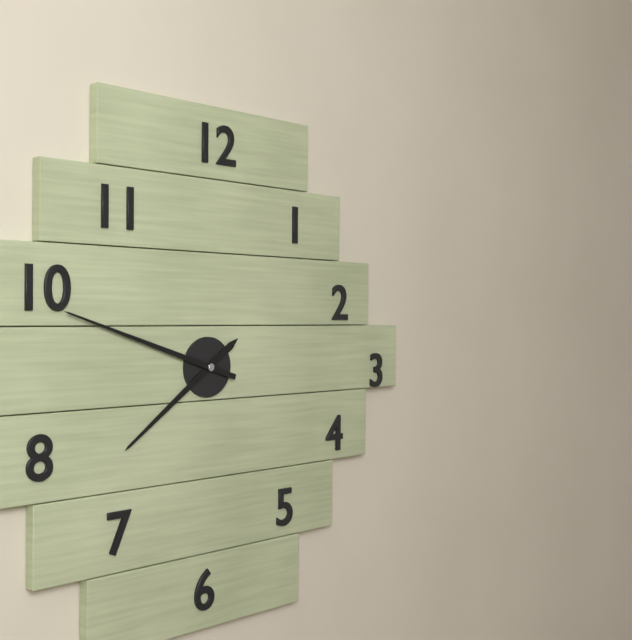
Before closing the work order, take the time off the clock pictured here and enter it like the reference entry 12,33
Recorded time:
7,48
